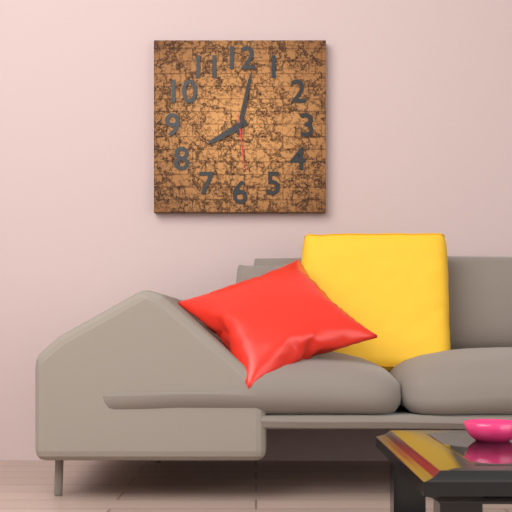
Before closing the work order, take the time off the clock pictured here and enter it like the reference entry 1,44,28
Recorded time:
8,02,29
